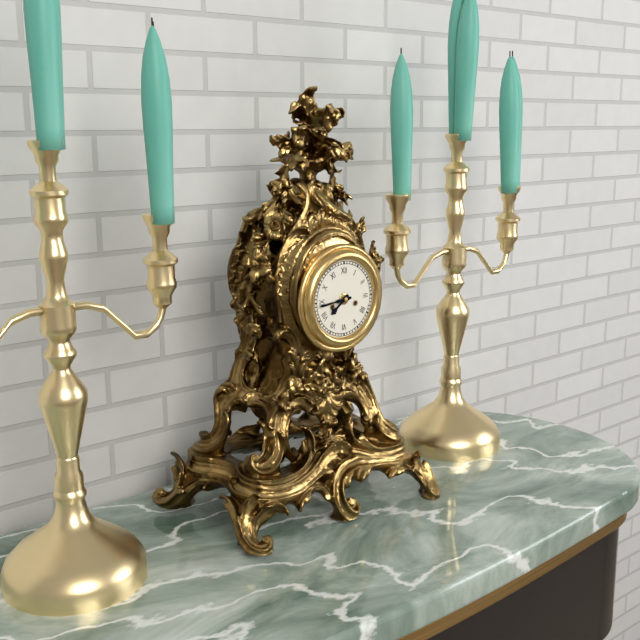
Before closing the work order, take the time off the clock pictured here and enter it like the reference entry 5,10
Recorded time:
7,44
